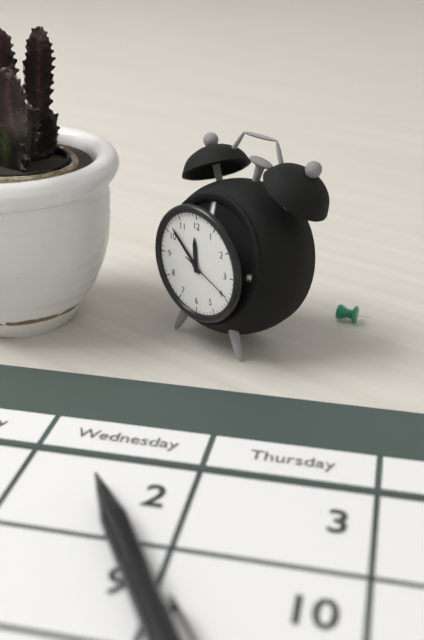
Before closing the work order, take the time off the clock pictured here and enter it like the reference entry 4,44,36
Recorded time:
11,52,19
